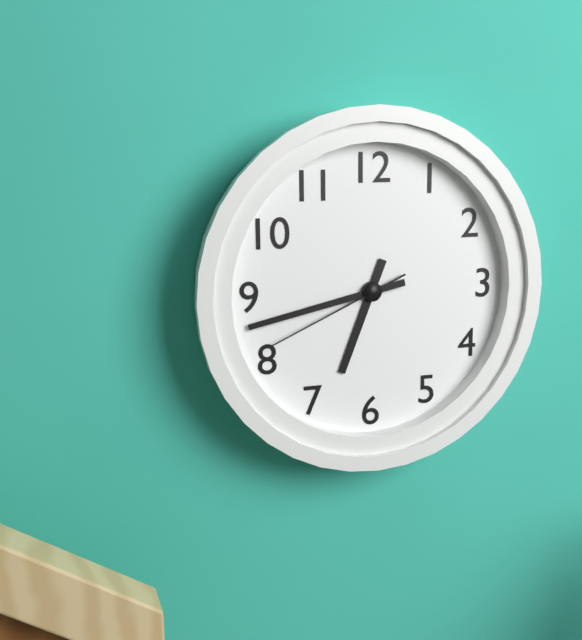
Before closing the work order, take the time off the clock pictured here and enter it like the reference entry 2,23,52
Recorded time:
6,43,41
